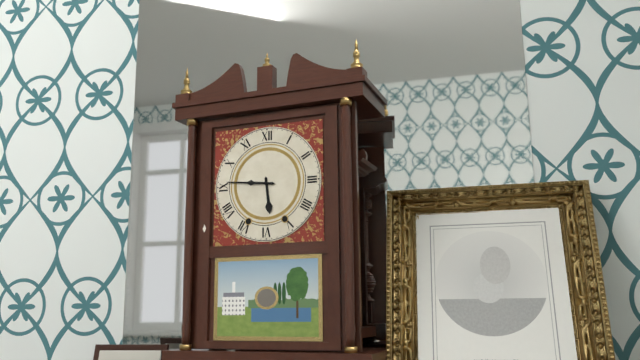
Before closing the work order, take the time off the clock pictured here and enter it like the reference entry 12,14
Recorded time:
5,46
